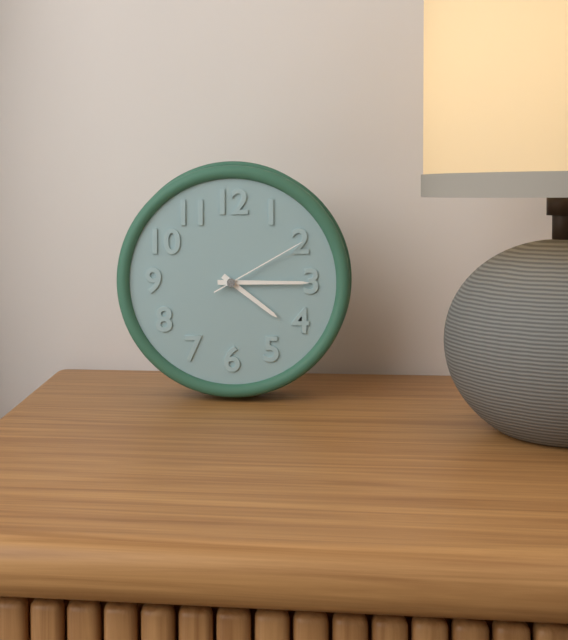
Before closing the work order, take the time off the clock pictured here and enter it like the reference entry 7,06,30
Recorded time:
4,15,10
